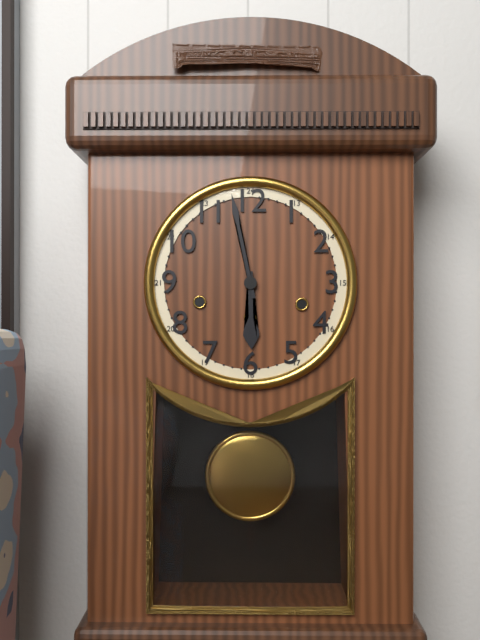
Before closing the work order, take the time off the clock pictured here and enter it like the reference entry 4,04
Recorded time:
5,58
